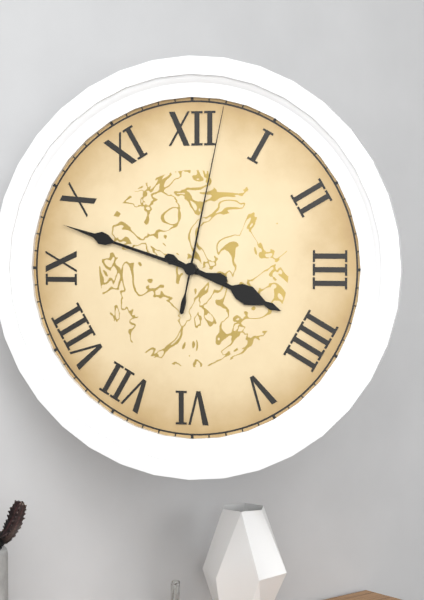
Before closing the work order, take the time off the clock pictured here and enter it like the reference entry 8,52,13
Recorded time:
3,48,02
